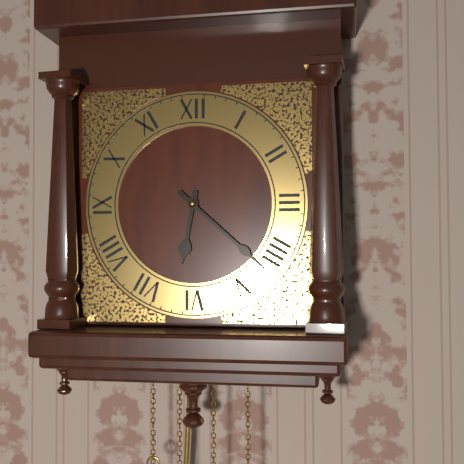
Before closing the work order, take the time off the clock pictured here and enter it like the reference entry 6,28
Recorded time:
6,22
